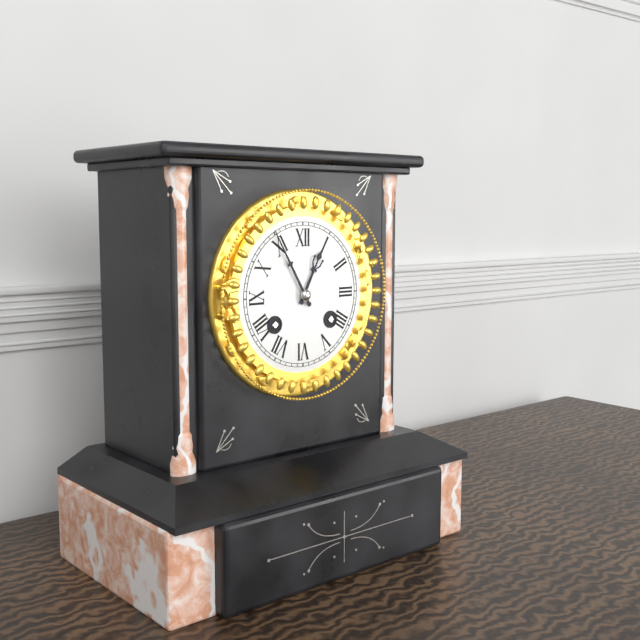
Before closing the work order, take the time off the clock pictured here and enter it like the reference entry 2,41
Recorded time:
12,55
